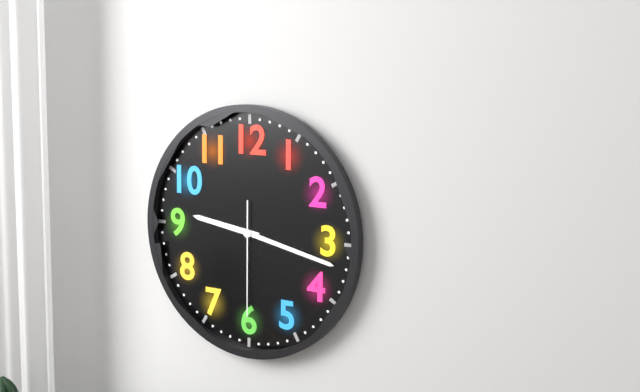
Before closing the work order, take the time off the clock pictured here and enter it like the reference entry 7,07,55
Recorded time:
9,17,30
